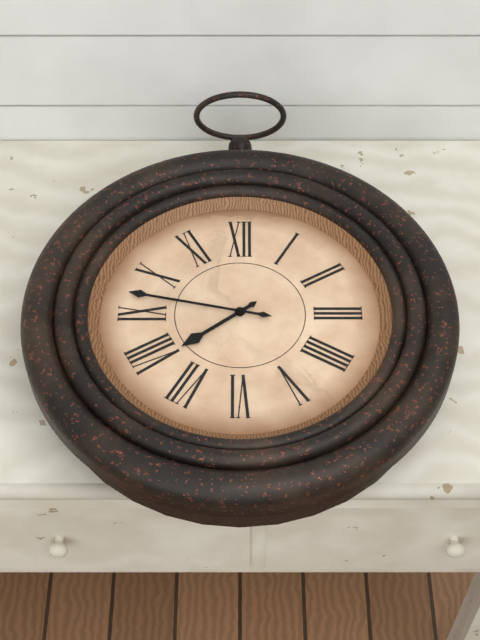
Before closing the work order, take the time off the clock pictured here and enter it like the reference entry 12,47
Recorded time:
7,47
